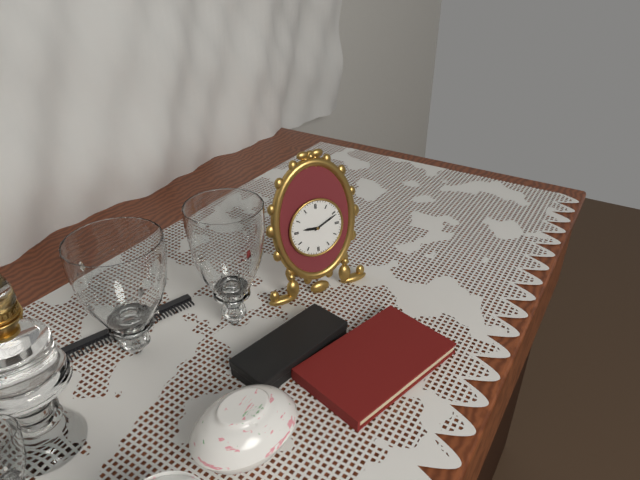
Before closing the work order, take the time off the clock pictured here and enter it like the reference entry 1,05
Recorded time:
9,11
